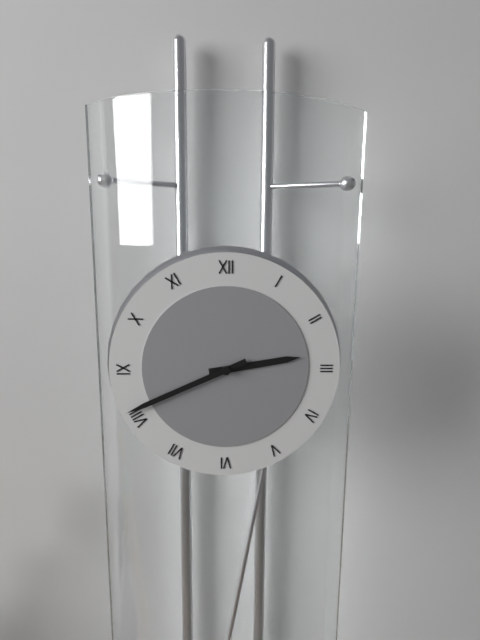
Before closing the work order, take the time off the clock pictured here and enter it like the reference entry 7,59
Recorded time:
2,41
